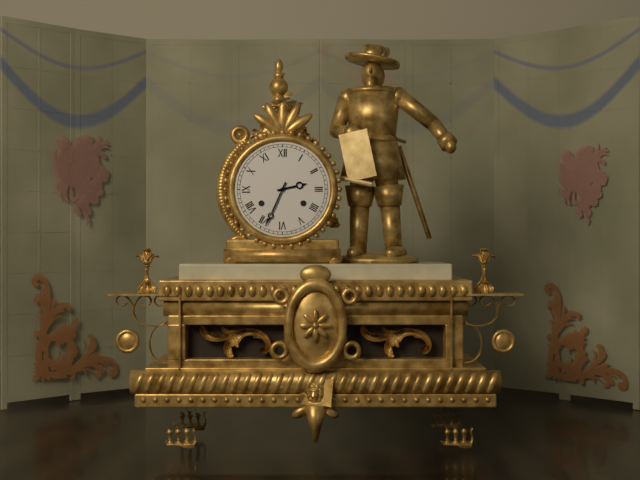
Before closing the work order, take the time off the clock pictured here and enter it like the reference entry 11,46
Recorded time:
2,34
